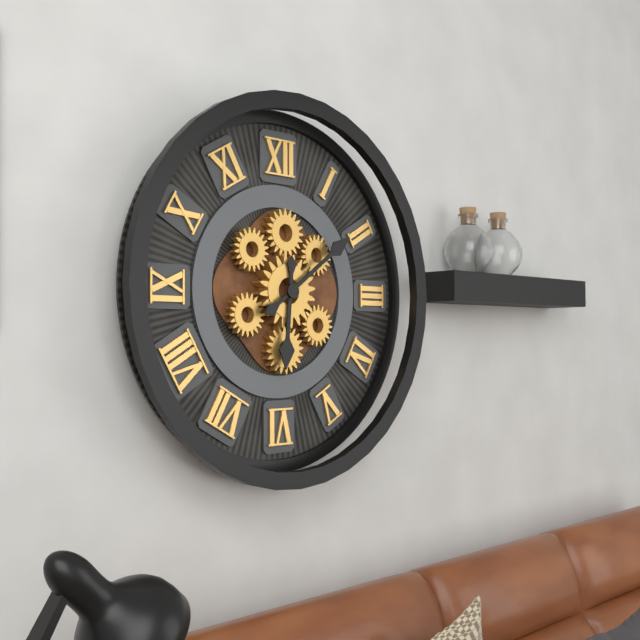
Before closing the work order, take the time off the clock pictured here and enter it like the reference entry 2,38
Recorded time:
6,09
